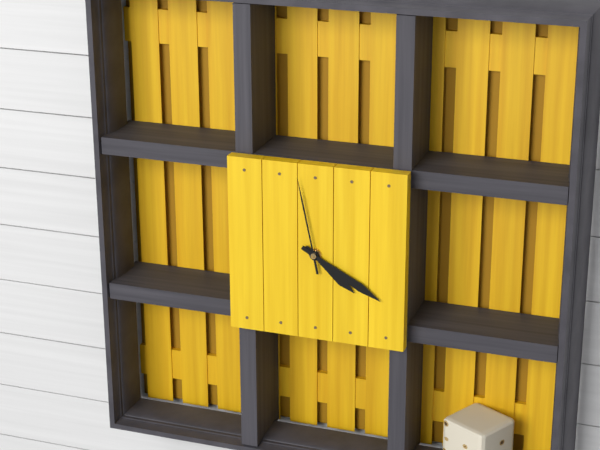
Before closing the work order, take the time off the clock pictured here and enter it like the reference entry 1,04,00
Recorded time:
4,20,58
